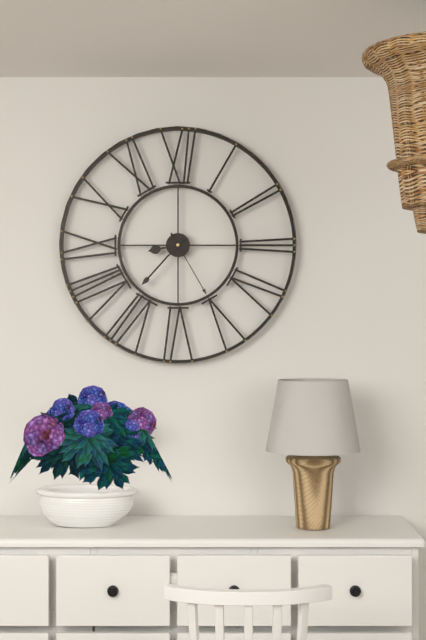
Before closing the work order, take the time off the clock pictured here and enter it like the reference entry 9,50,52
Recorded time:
8,37,25
